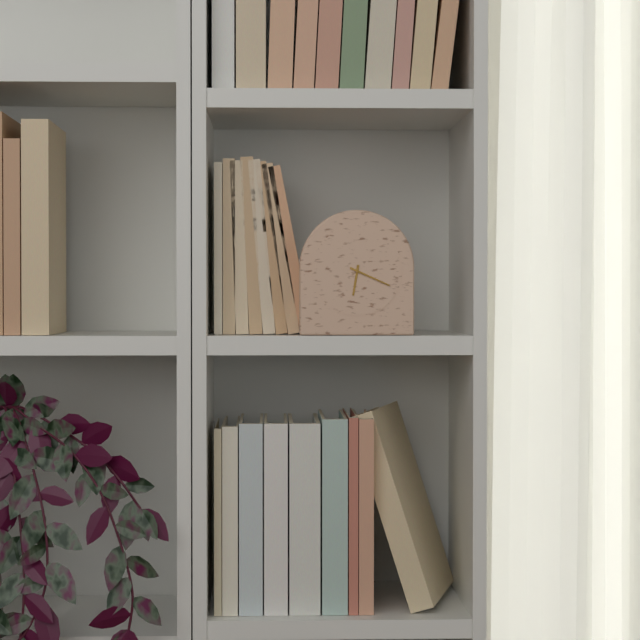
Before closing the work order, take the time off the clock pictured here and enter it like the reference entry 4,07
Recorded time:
6,19
